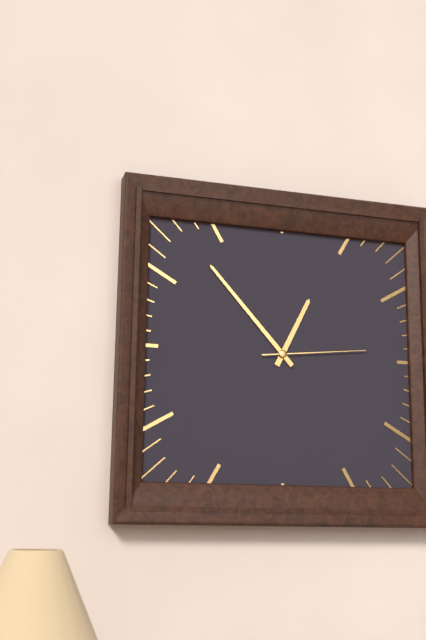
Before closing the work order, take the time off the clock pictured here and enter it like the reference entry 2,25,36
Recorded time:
12,53,14
